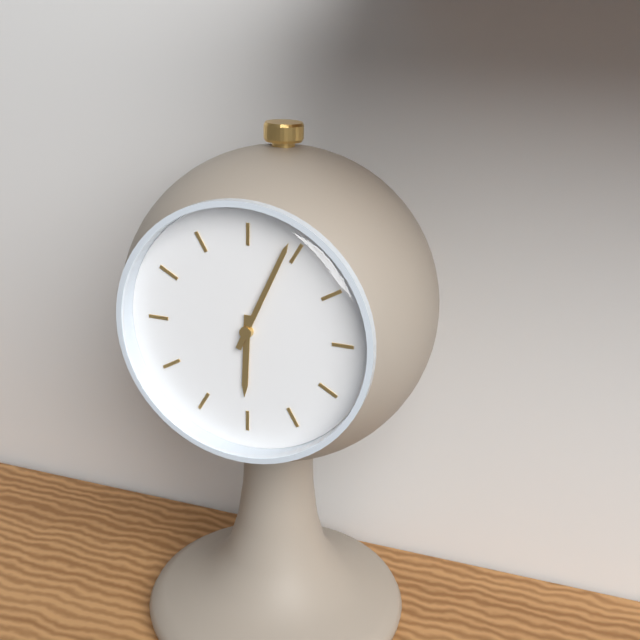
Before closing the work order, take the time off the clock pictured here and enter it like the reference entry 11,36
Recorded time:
6,04
